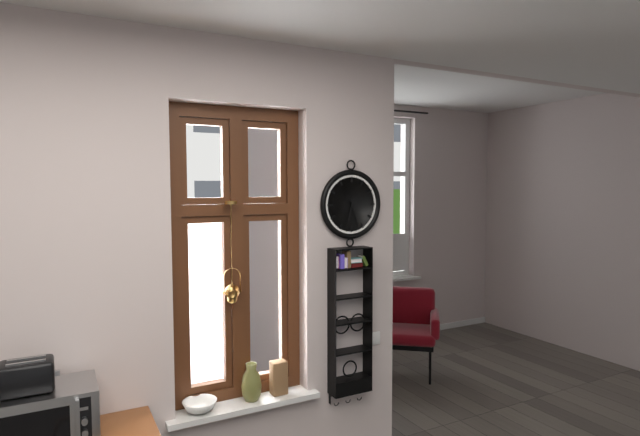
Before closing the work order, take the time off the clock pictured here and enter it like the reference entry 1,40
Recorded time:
6,27
